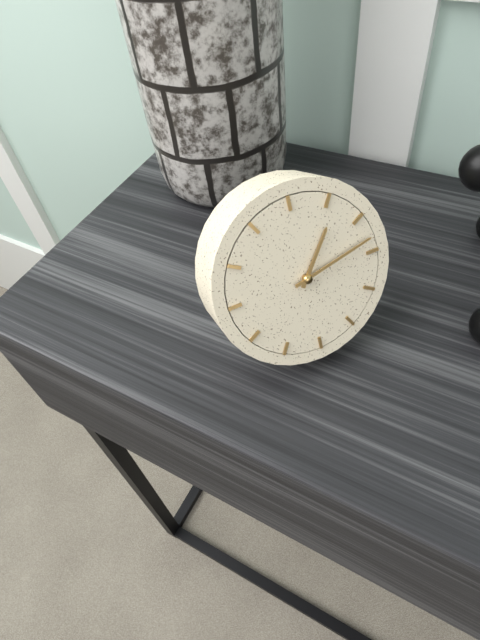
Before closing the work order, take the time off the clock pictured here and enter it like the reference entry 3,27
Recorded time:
1,13
